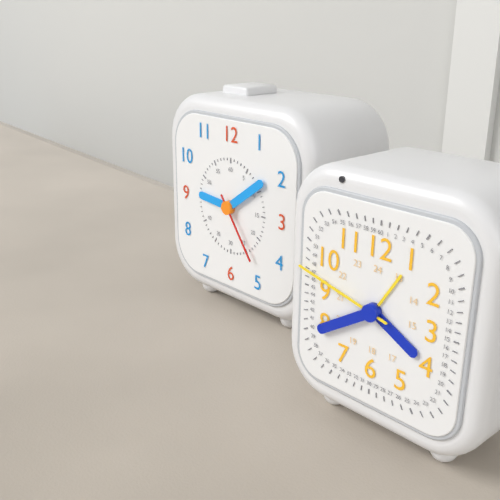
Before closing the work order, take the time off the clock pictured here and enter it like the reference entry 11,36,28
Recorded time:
9,09,24
